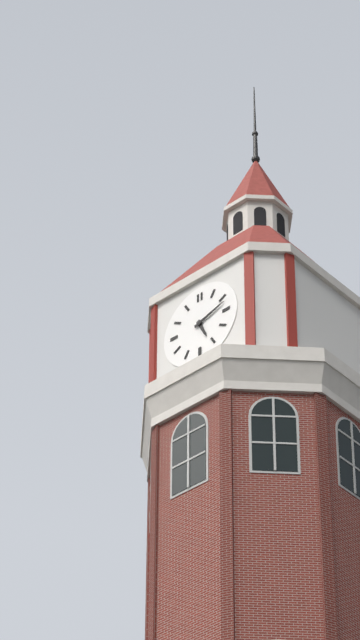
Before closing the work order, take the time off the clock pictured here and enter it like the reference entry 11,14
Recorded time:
5,12
